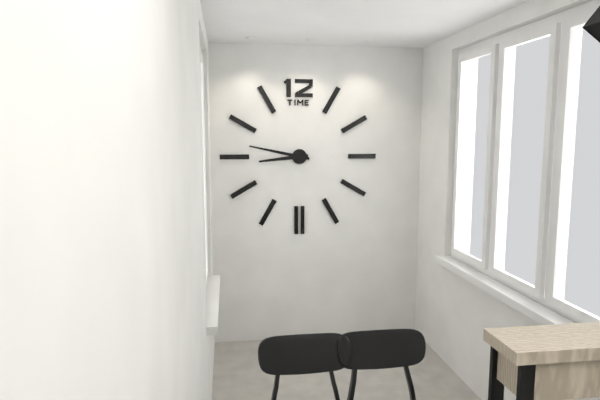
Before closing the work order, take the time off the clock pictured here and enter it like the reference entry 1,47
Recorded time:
8,47
